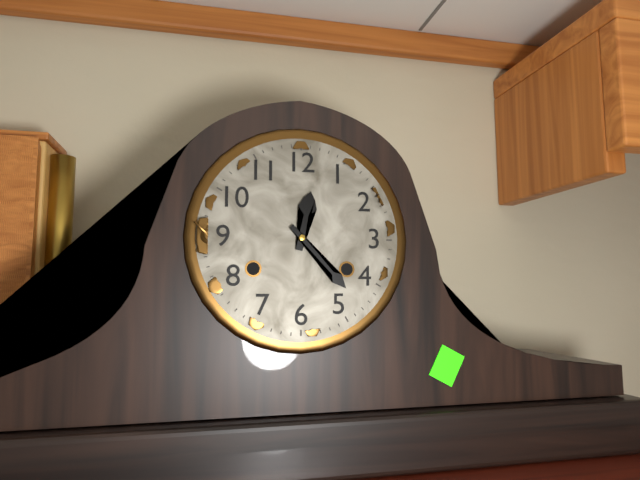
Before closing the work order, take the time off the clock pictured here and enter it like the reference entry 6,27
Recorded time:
12,23
